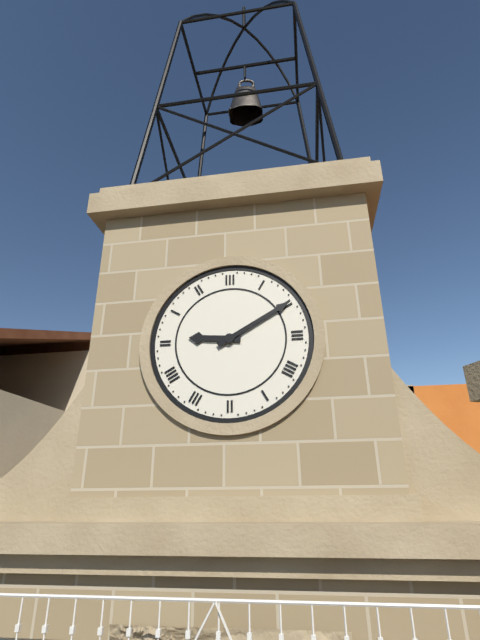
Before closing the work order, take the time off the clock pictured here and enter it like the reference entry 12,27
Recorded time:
9,10
